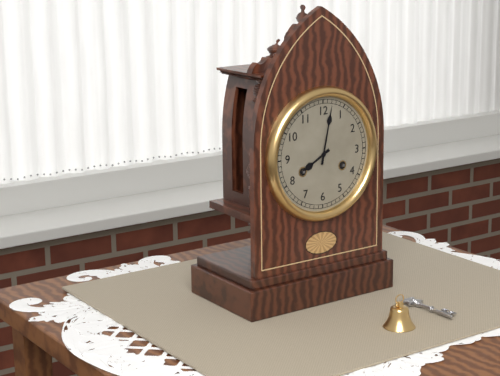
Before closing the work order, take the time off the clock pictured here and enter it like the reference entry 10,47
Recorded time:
8,02
